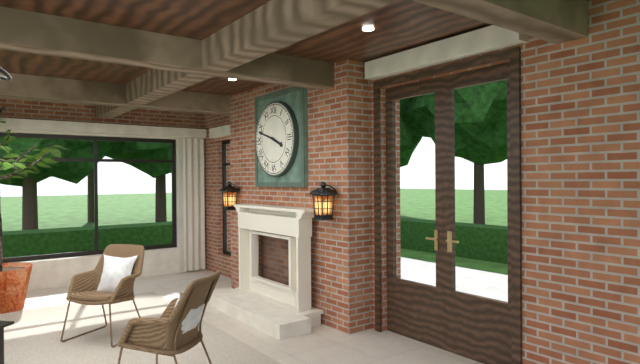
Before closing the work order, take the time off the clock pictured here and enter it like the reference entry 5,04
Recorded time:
3,48
